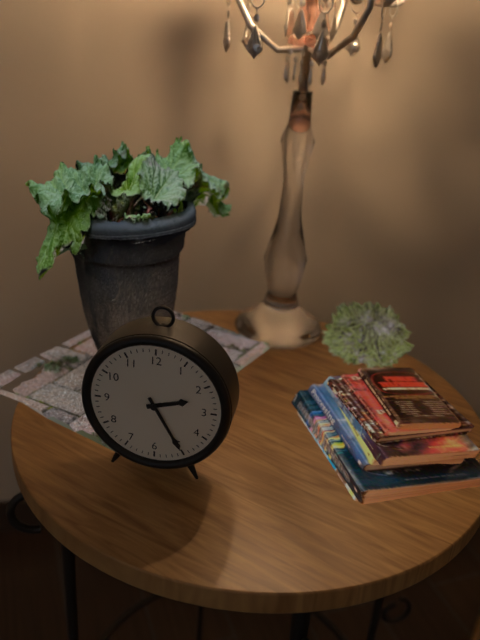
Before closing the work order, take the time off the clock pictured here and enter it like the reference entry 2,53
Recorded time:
2,25
